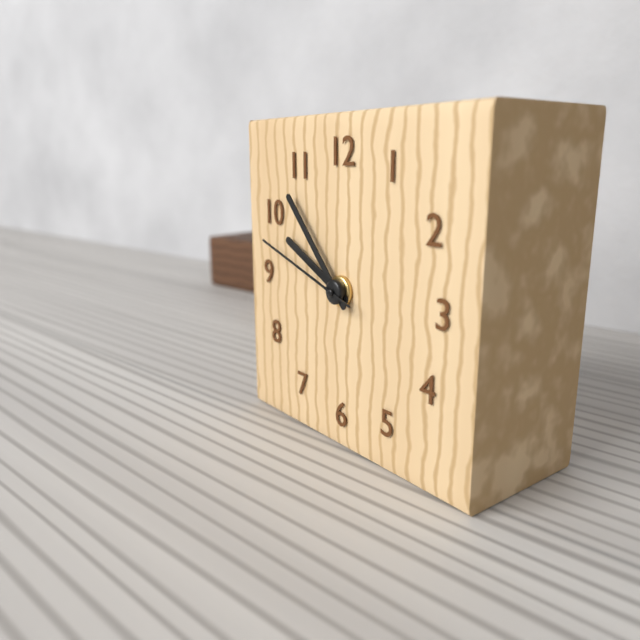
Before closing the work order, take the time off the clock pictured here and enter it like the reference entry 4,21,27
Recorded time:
9,53,48
